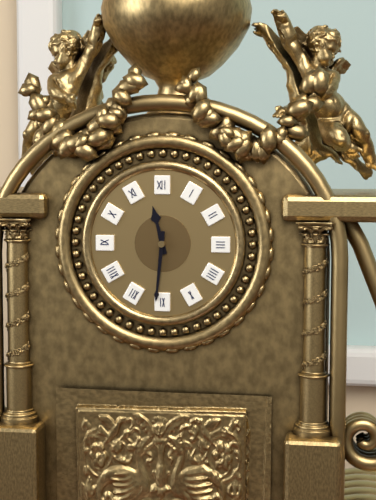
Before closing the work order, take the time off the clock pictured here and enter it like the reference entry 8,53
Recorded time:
11,31
